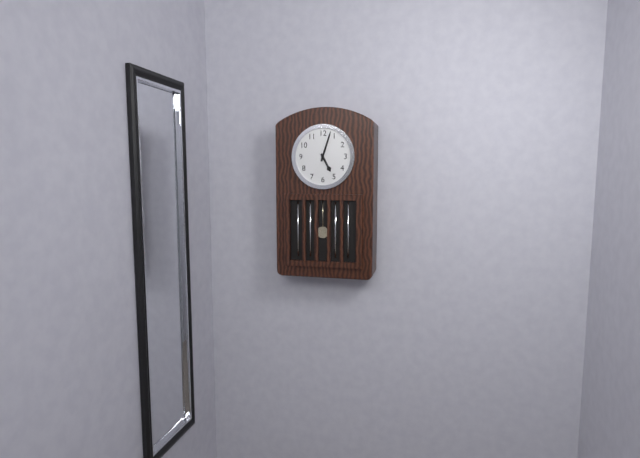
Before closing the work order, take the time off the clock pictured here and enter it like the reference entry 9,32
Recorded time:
5,03
